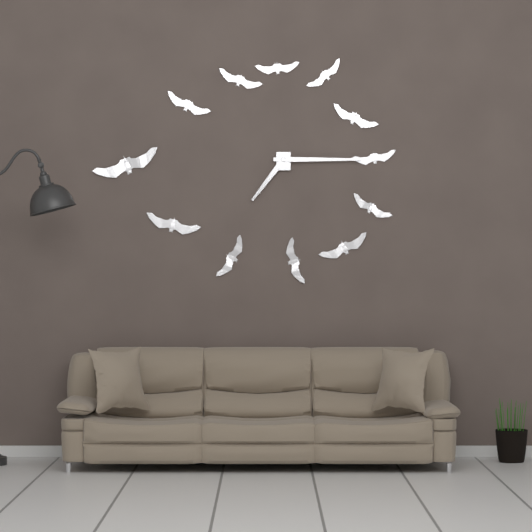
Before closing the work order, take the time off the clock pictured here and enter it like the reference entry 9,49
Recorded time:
7,15
